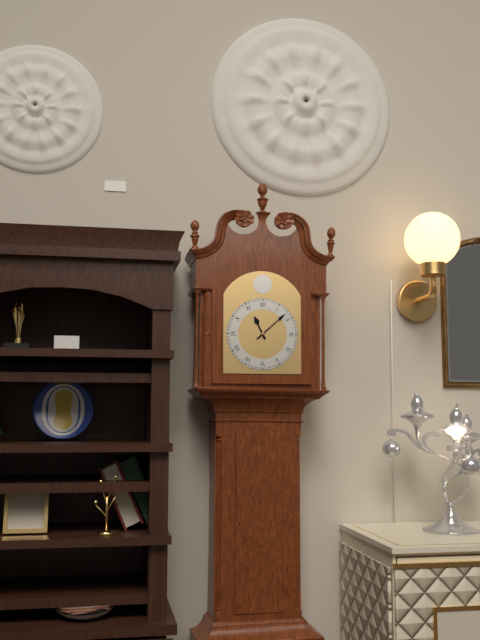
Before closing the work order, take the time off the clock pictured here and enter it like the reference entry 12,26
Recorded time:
11,08
